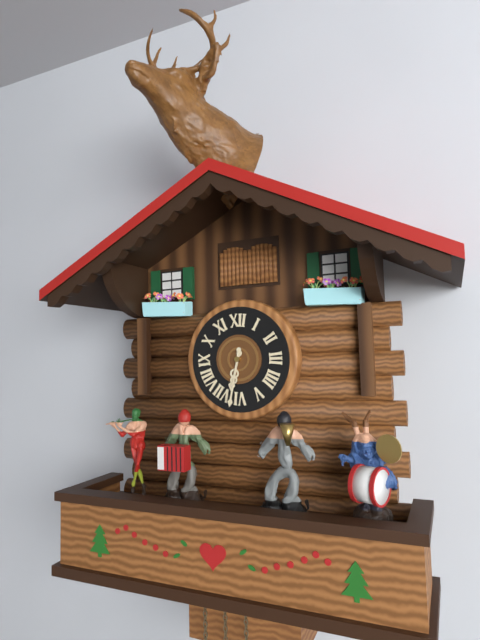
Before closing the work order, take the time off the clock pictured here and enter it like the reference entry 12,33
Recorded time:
6,32
